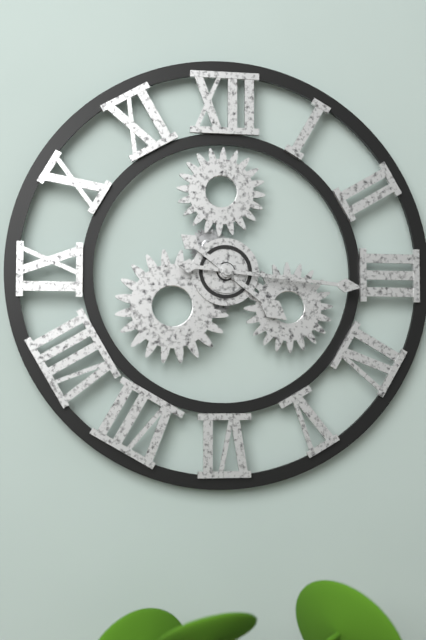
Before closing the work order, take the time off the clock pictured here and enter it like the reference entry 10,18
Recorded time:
4,16
